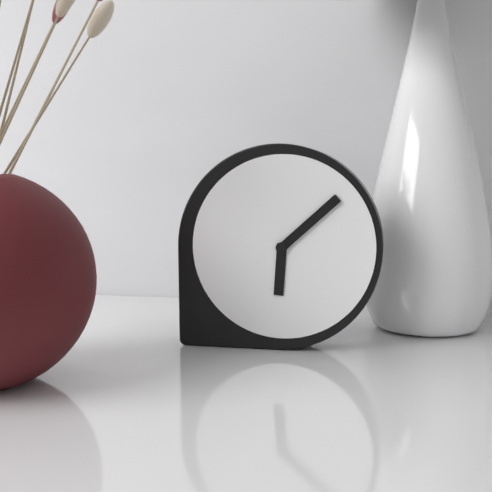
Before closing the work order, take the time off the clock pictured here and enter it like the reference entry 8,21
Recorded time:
6,08
